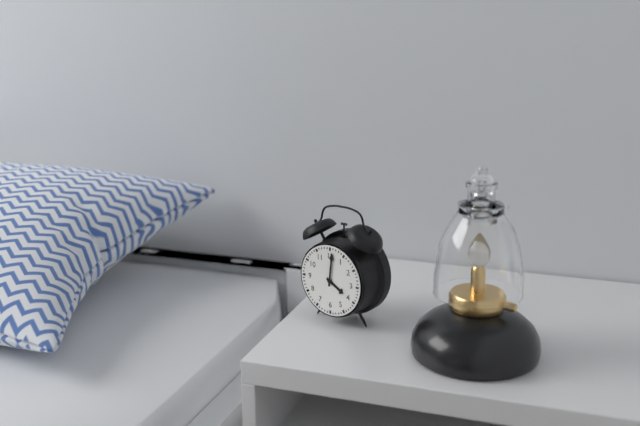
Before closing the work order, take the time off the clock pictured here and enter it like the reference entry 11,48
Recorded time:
4,01
